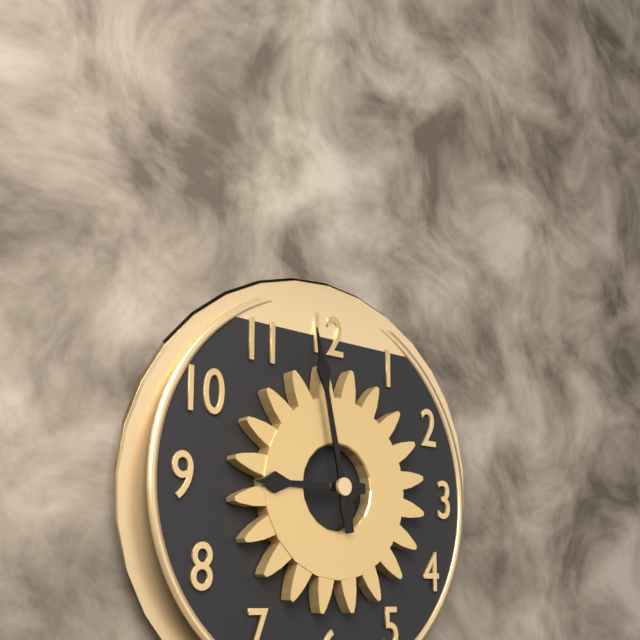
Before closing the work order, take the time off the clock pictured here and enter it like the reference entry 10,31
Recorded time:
8,58
